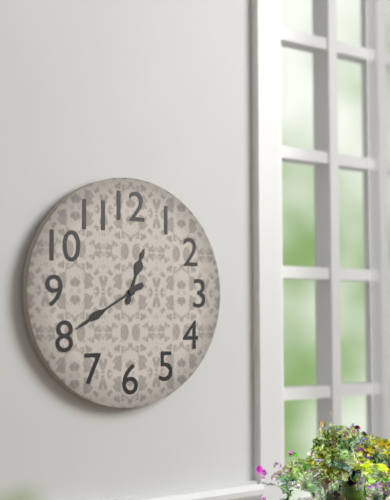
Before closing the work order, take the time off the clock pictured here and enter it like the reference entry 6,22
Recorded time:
12,40
